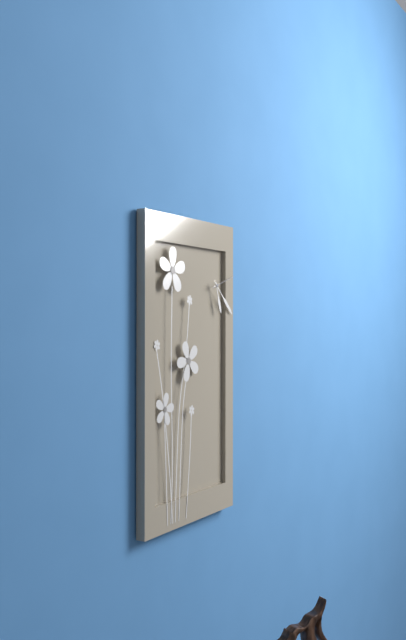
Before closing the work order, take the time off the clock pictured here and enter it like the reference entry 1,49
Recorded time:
5,22
